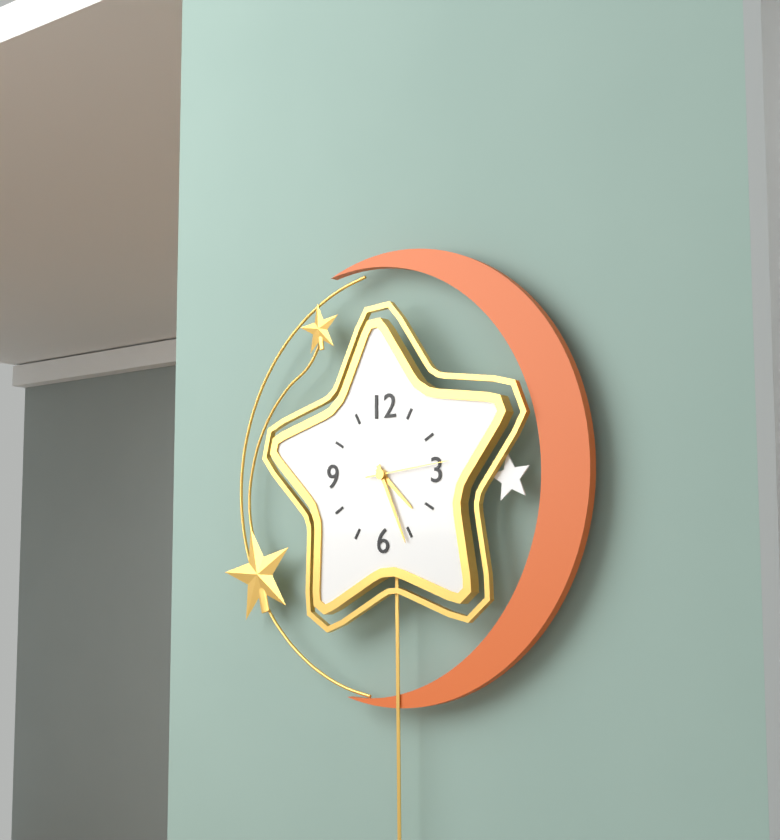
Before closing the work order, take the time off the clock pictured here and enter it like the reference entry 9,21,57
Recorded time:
4,26,14
